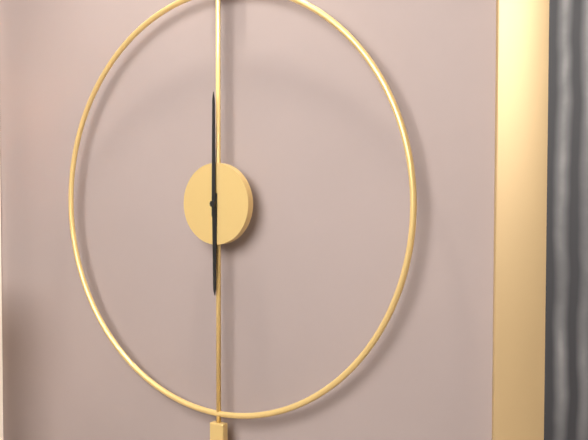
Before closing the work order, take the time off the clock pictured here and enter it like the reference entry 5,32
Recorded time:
6,00
